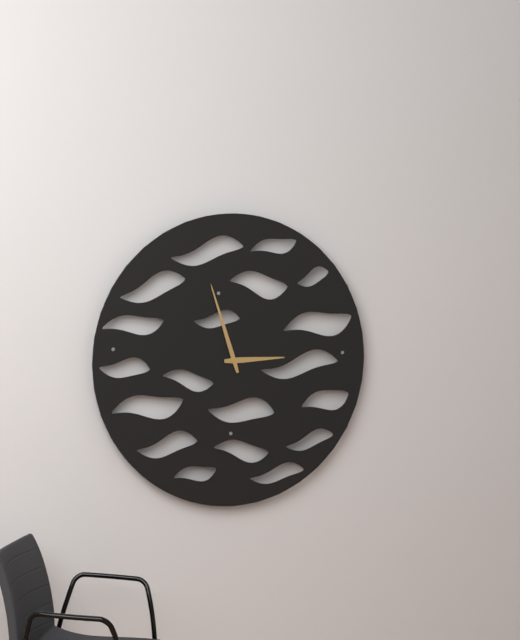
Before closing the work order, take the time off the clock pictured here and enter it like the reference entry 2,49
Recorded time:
2,57
